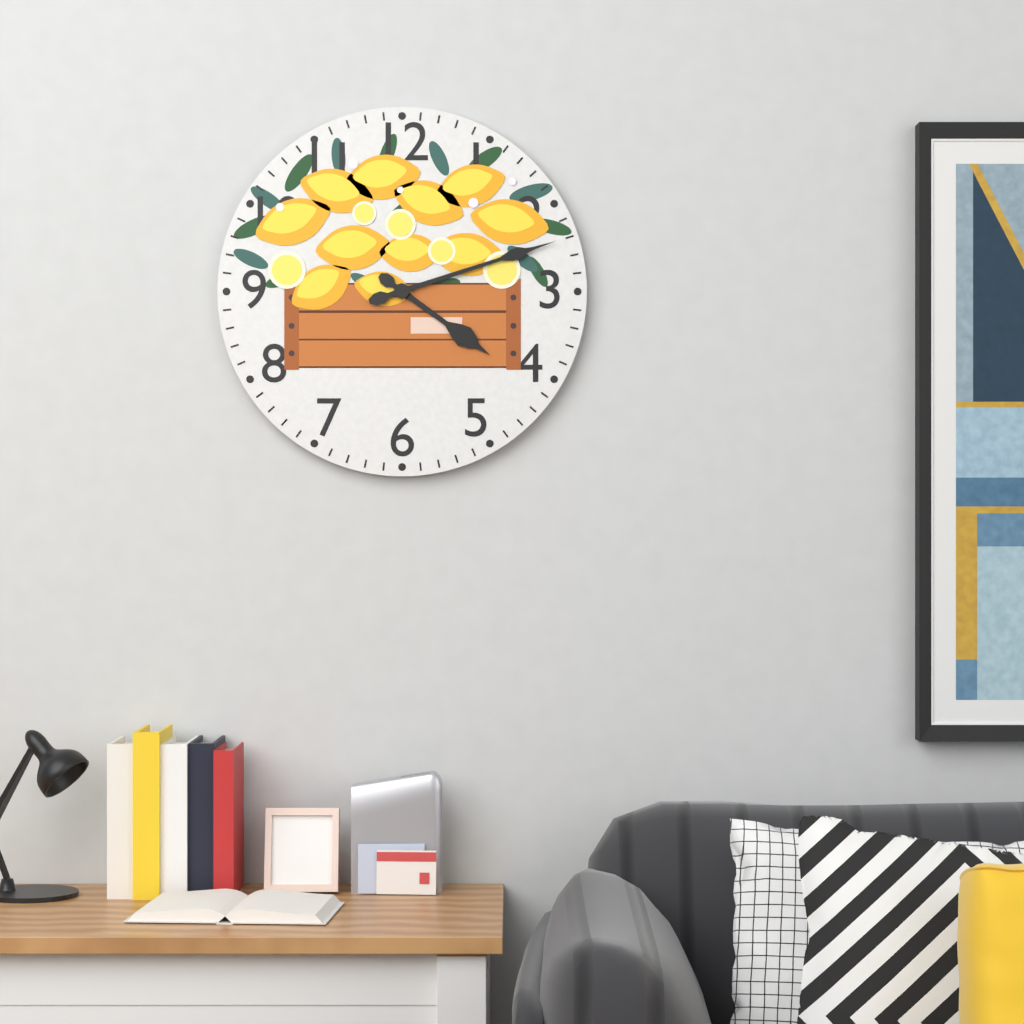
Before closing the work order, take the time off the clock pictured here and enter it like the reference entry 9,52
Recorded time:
4,12
